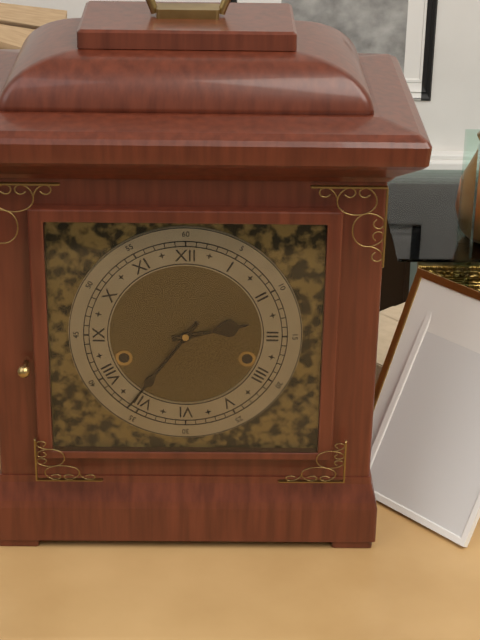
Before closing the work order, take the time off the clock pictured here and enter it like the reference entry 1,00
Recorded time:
2,36
